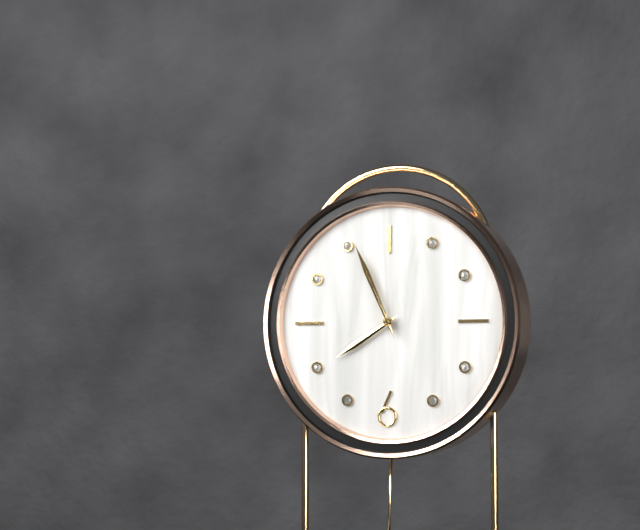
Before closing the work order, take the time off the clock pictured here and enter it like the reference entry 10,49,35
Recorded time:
7,56,56
